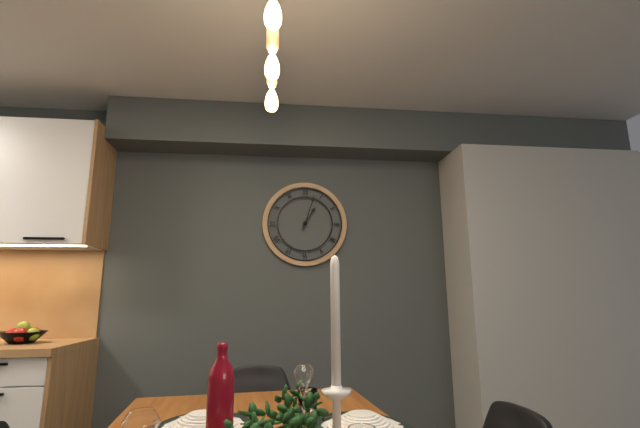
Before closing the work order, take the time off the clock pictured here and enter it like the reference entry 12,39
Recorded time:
1,03
